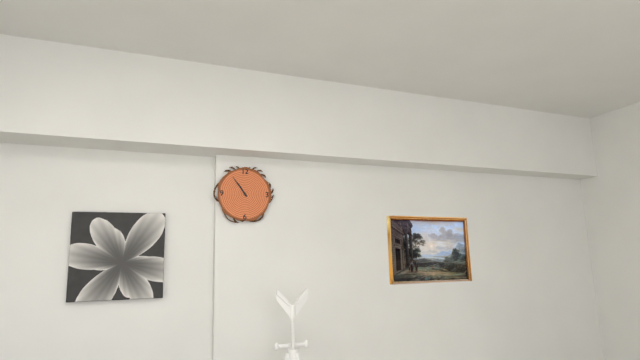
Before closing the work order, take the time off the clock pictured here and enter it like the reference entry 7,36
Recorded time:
10,54
